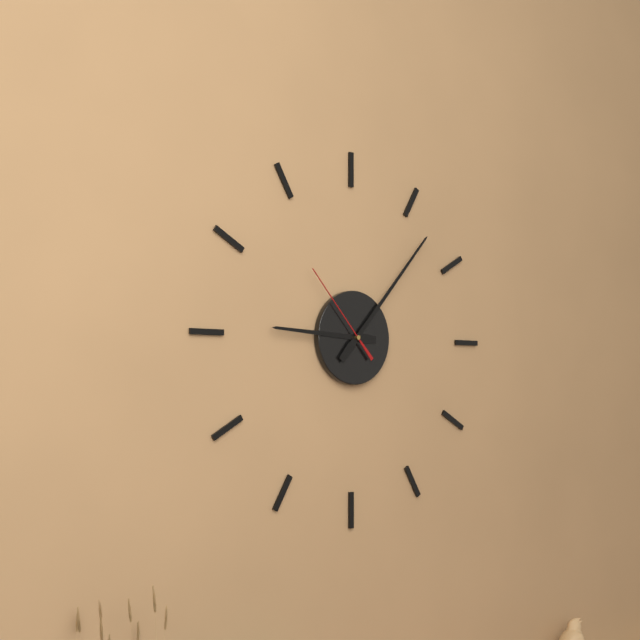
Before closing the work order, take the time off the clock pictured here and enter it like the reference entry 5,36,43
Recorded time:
9,07,53
